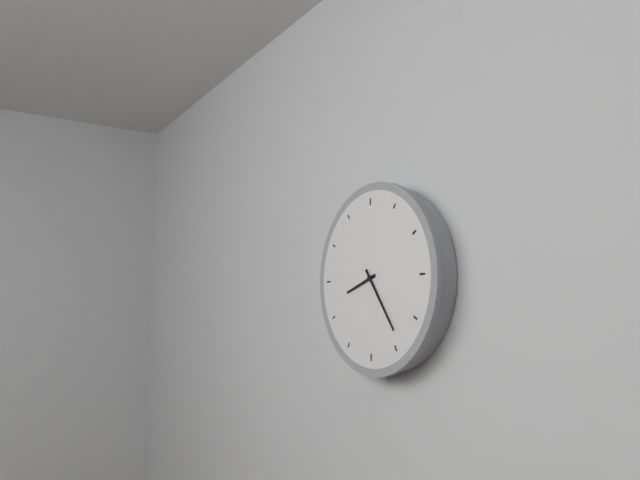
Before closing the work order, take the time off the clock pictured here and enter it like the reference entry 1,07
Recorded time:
8,24
